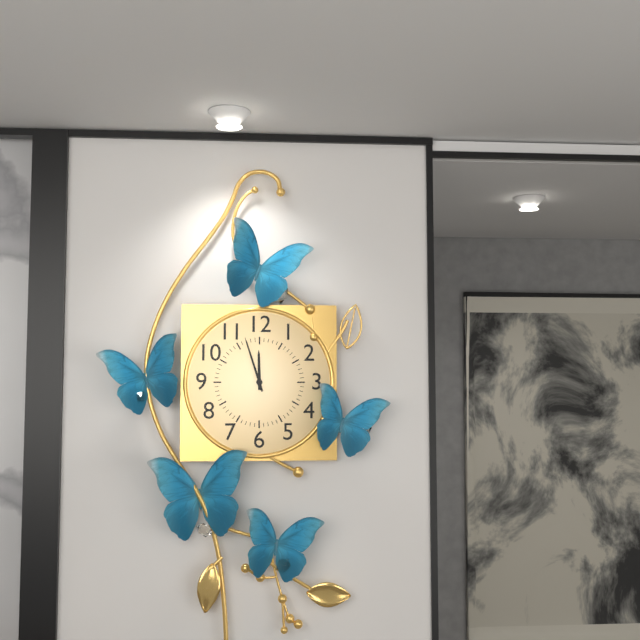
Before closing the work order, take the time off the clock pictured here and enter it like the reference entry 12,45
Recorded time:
11,57
